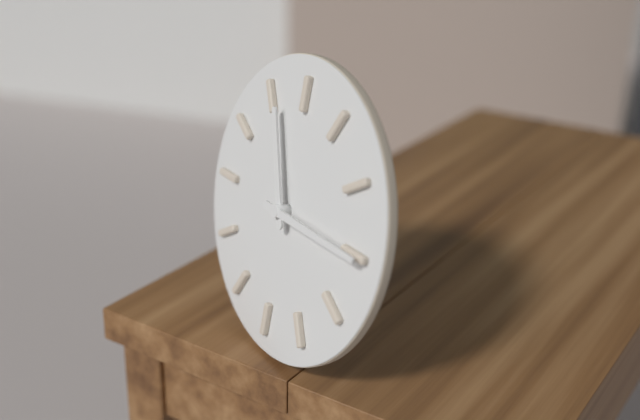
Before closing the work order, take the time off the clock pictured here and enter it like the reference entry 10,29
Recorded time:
11,15
